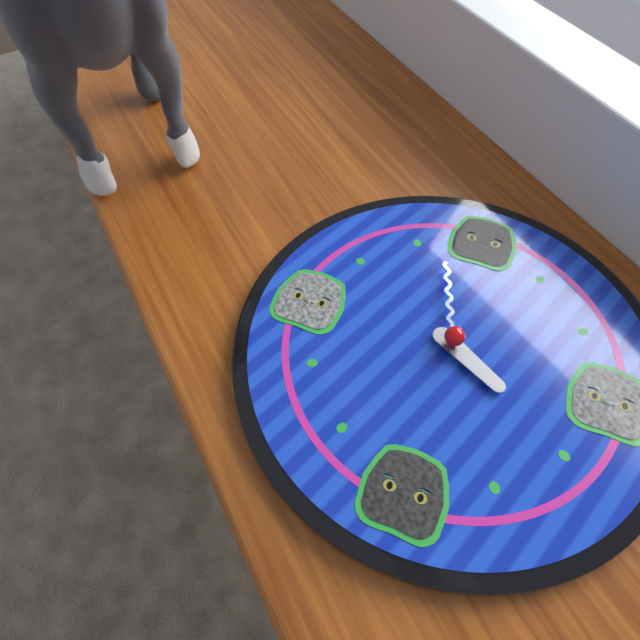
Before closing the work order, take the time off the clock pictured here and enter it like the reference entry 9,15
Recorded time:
3,57
